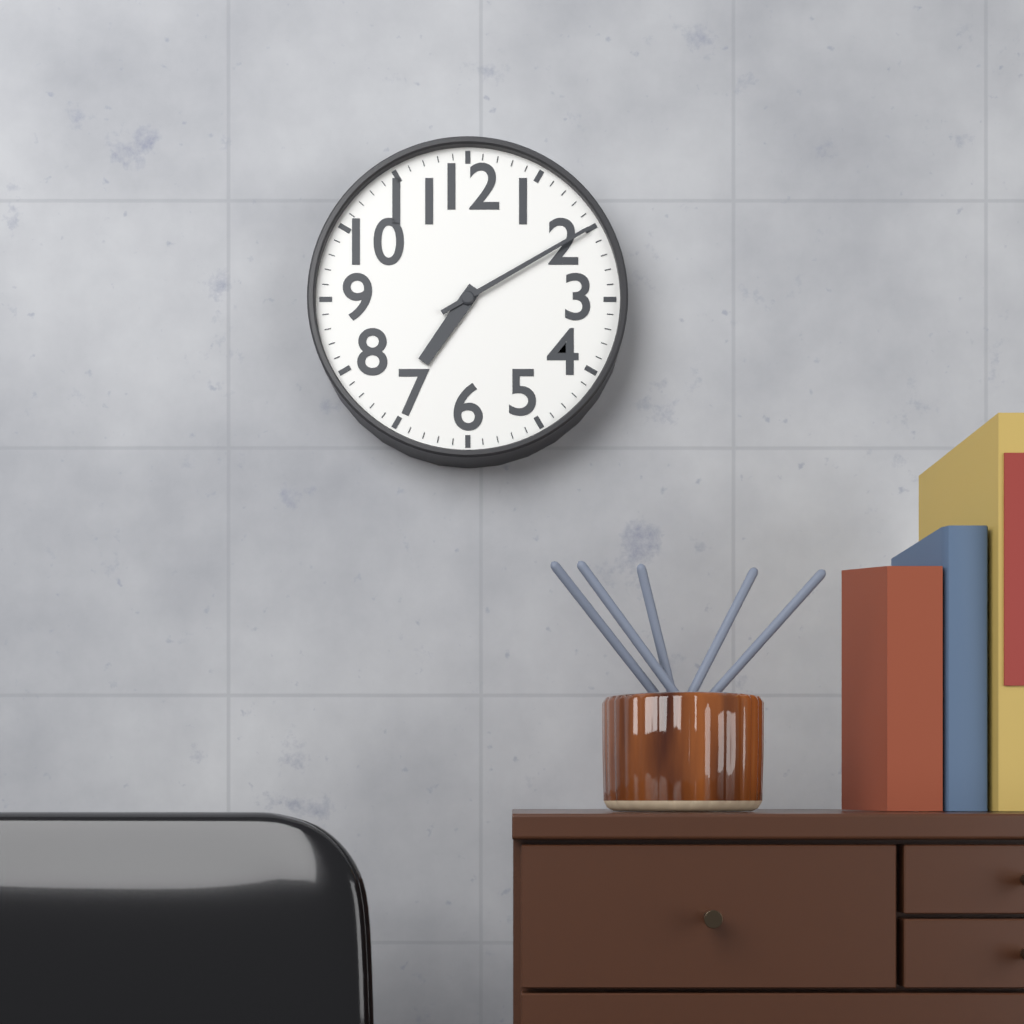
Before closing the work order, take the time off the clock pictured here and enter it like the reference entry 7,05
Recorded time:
7,10
